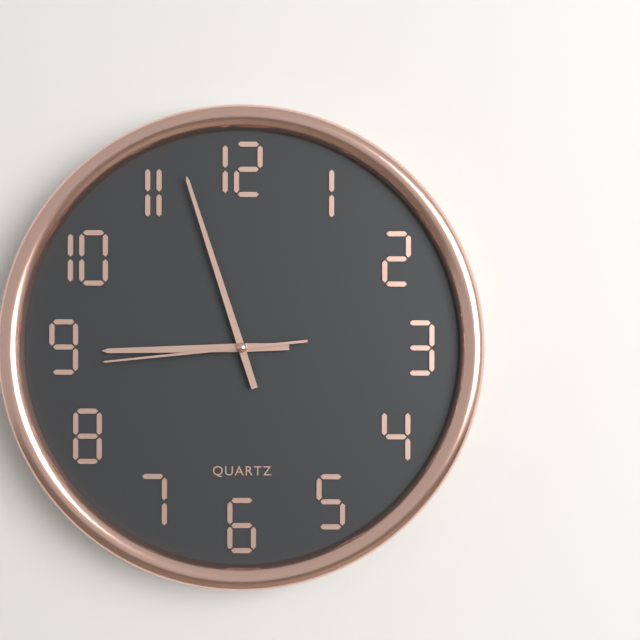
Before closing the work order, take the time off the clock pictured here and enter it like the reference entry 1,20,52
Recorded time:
8,57,44
